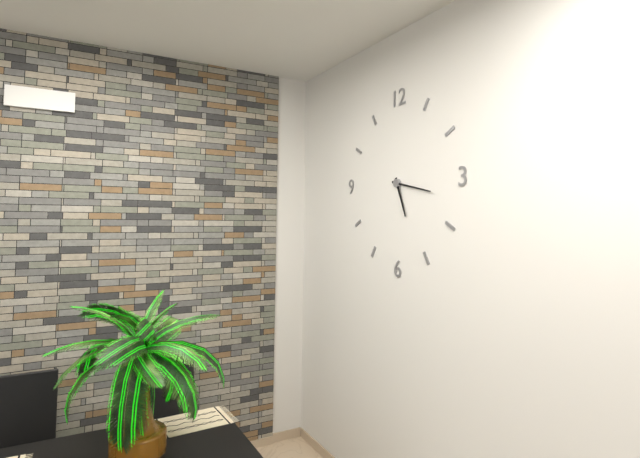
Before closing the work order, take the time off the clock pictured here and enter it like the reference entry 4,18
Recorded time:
5,17
